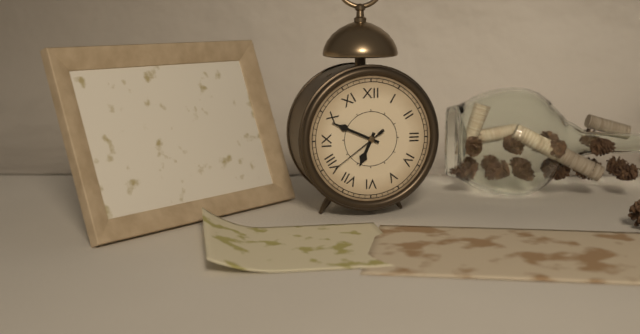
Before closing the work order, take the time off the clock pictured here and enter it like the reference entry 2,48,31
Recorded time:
6,49,39
